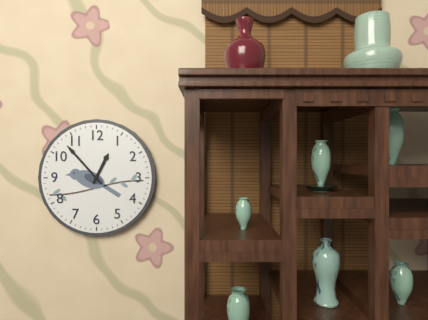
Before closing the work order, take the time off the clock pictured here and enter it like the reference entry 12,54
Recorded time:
12,53
